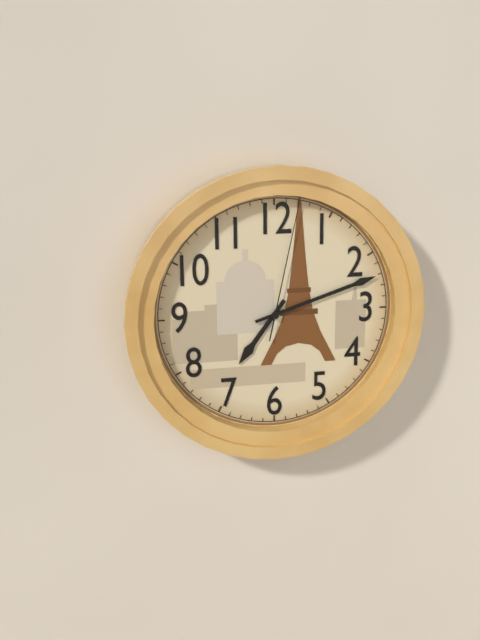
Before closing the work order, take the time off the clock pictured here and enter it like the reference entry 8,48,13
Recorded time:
7,12,02
